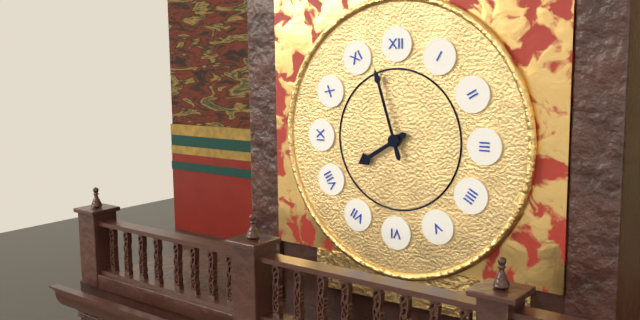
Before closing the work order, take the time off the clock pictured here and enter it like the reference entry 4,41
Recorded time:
7,57
